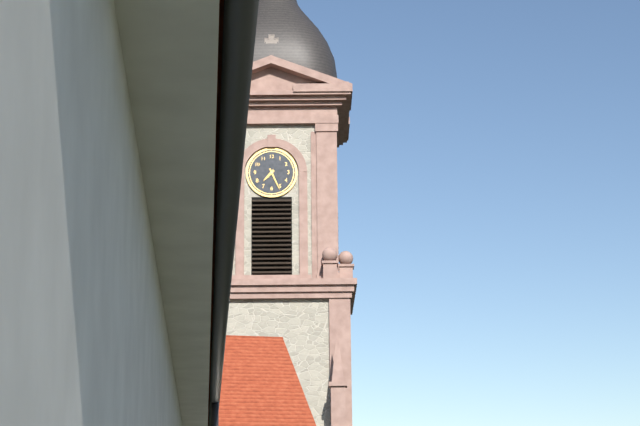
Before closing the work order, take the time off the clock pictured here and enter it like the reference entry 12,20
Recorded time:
7,26
